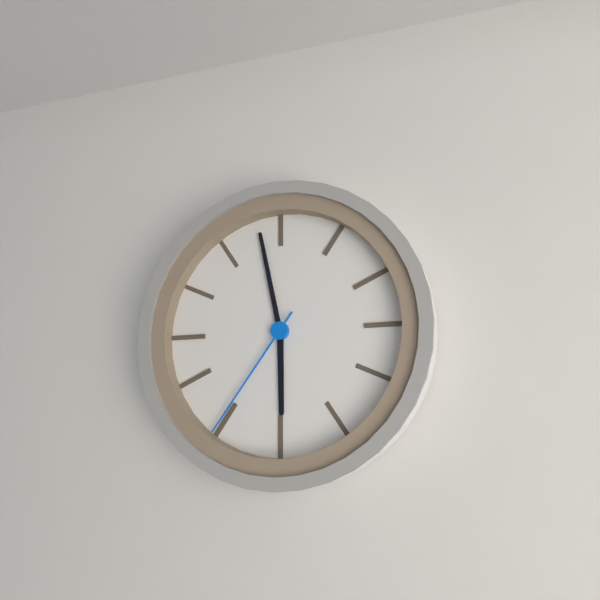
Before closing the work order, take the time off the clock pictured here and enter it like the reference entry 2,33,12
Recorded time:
5,58,36
